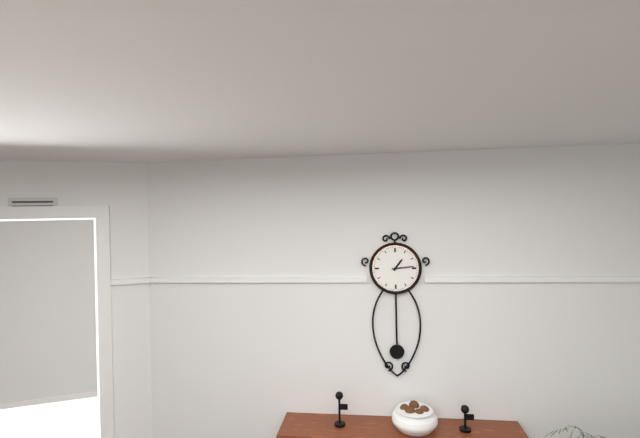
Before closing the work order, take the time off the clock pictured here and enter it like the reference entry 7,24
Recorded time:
1,14
